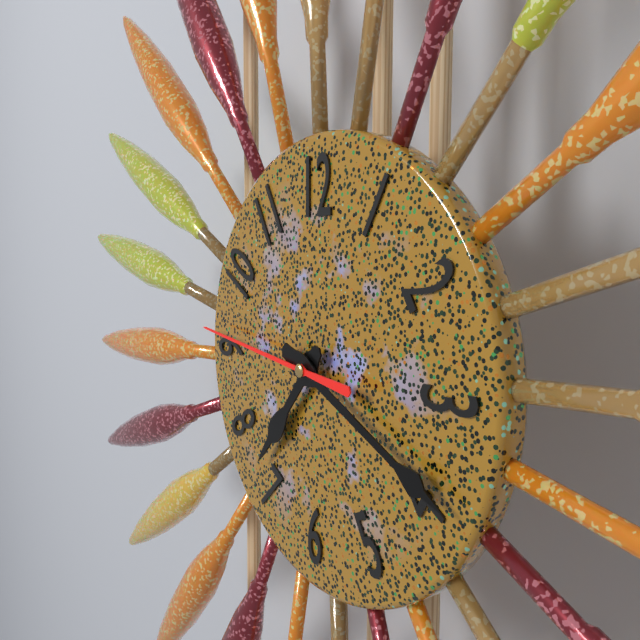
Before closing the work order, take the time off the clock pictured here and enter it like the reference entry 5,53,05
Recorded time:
7,19,46
